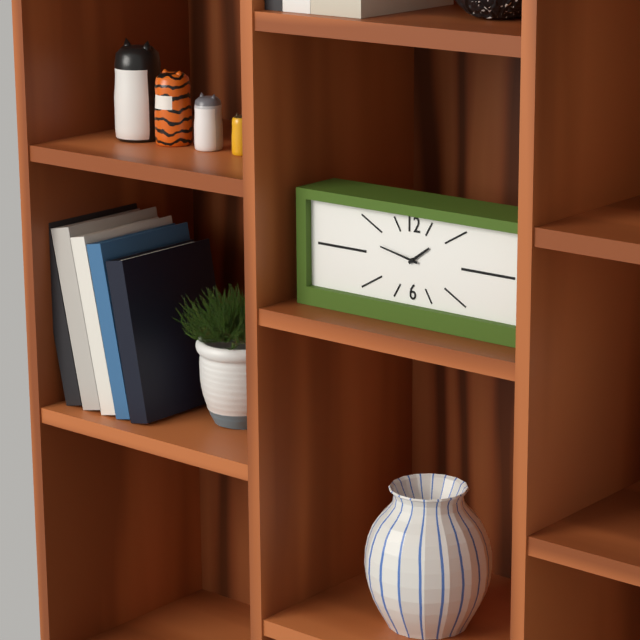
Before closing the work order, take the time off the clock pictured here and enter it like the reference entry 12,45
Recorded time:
1,47
